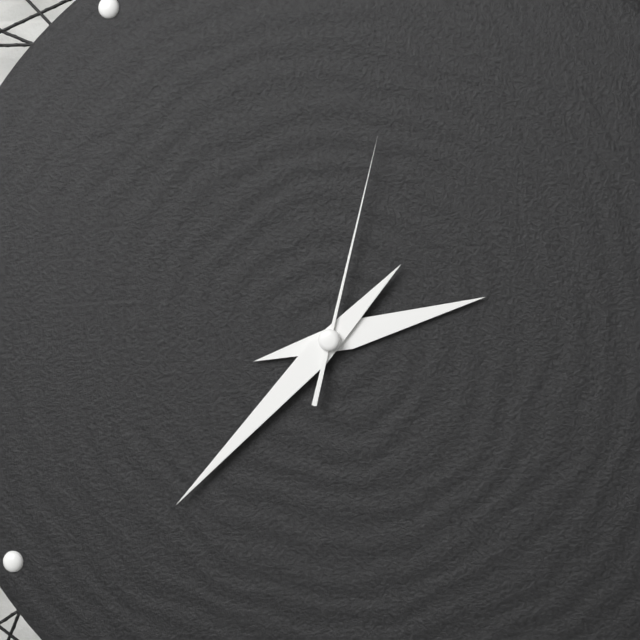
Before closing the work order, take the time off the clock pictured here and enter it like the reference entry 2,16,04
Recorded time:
2,38,03
